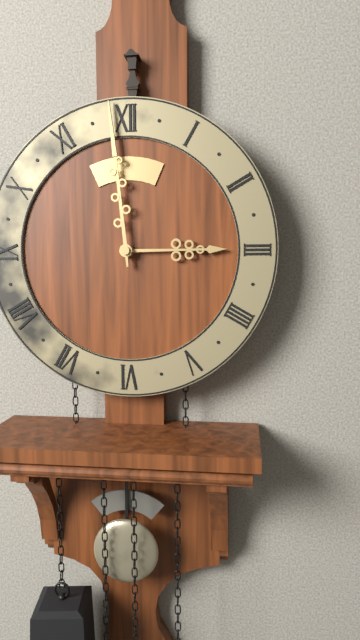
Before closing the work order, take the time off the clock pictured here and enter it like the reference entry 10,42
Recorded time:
2,59
